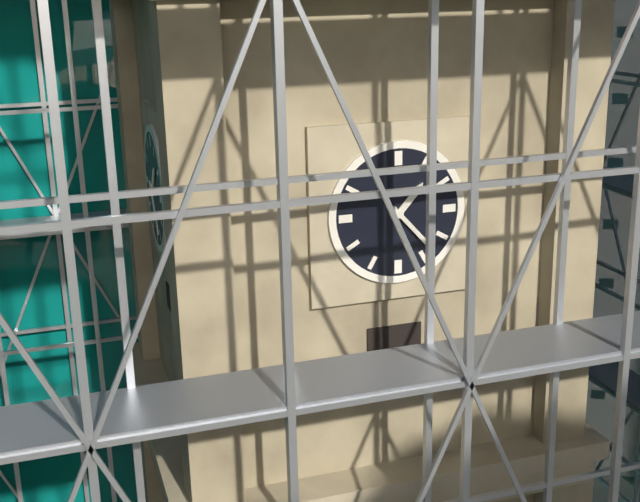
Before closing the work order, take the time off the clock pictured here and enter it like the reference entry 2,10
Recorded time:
1,23
